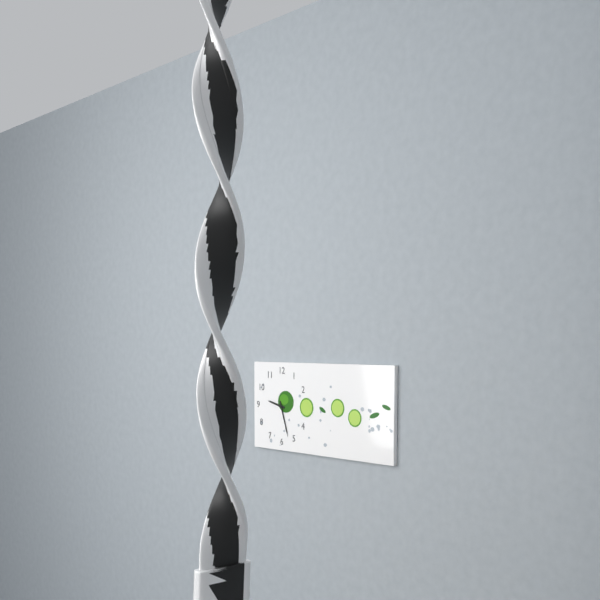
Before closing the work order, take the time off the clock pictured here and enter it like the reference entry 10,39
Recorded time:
9,27
